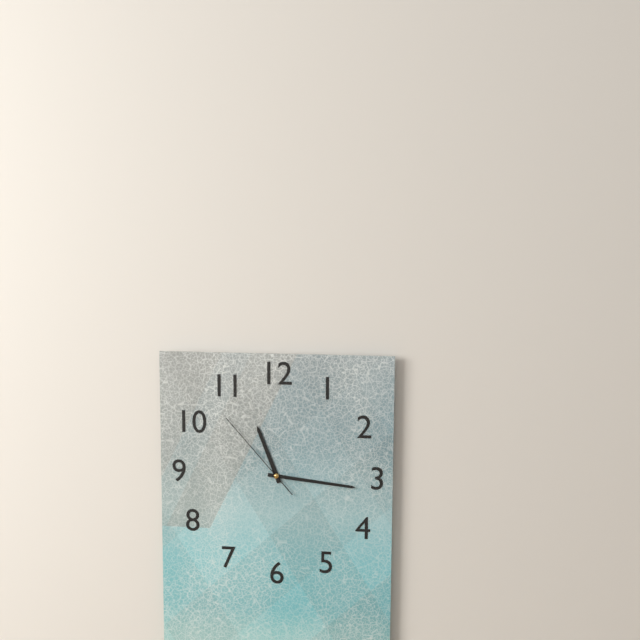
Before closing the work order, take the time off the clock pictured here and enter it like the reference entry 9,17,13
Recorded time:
11,16,53
